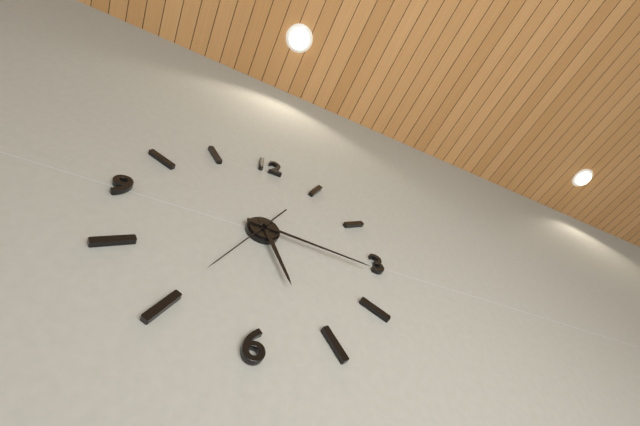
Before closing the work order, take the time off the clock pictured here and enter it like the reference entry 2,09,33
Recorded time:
5,16,35
